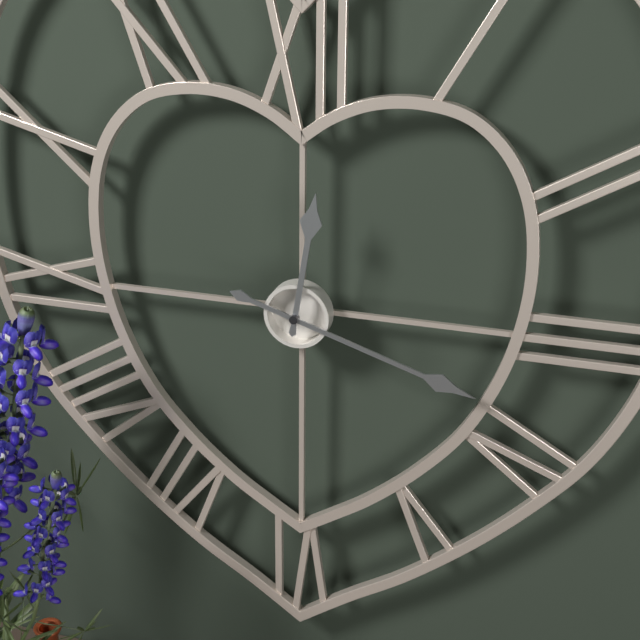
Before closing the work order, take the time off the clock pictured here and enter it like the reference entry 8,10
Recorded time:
12,18
